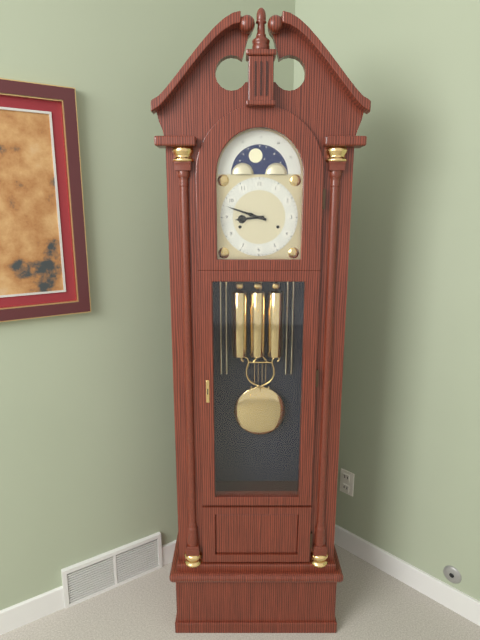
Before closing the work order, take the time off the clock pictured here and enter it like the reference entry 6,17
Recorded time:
8,48
